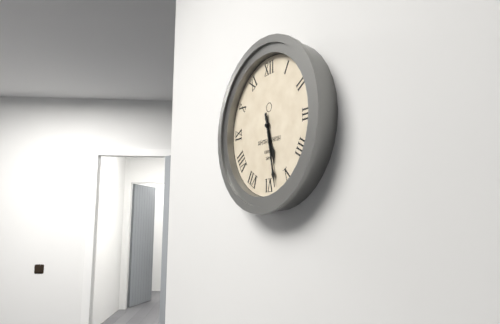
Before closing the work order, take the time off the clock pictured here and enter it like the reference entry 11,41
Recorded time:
5,28
